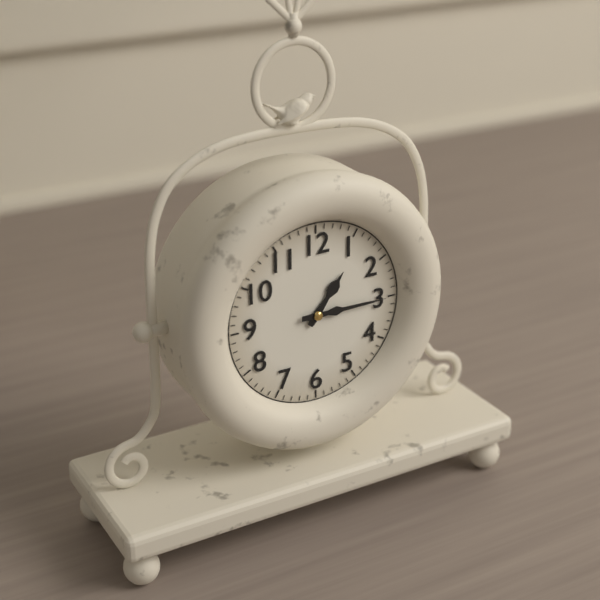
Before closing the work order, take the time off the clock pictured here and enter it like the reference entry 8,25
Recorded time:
1,15
